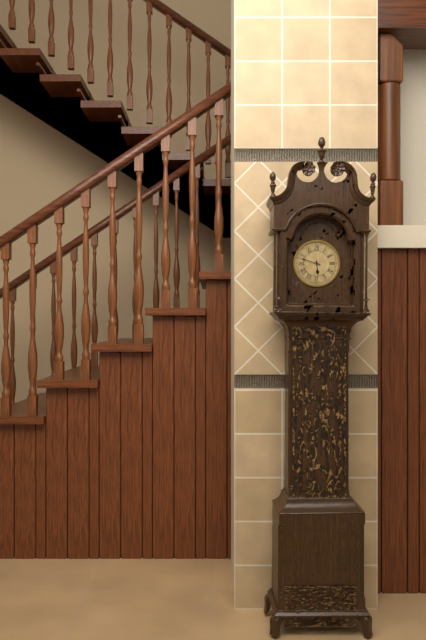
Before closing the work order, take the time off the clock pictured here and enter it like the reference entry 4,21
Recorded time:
5,48
